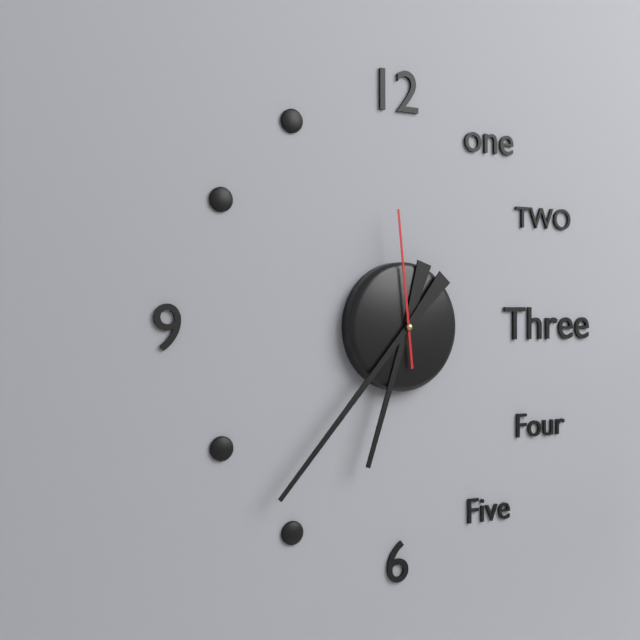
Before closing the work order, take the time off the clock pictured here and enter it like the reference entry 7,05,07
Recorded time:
6,37,59
